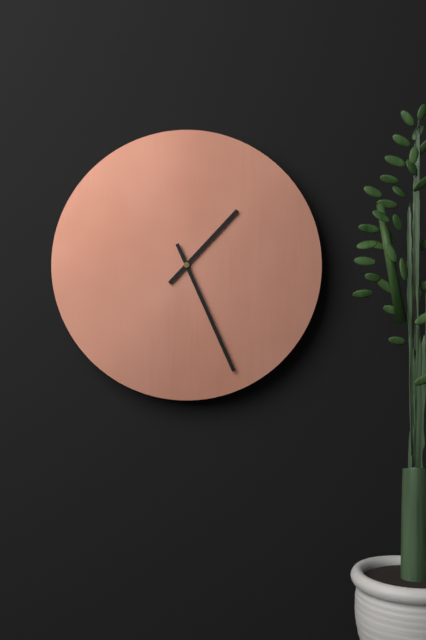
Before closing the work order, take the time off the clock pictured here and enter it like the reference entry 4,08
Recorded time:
1,26
